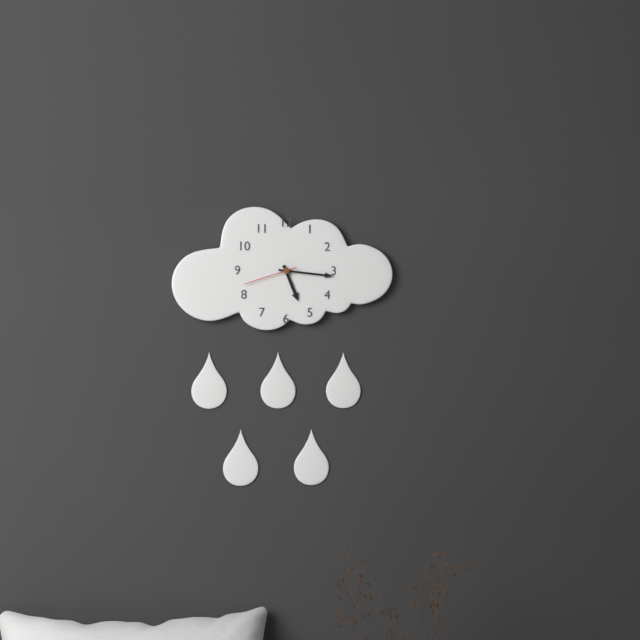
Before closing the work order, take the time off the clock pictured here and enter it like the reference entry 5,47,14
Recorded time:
5,16,42
